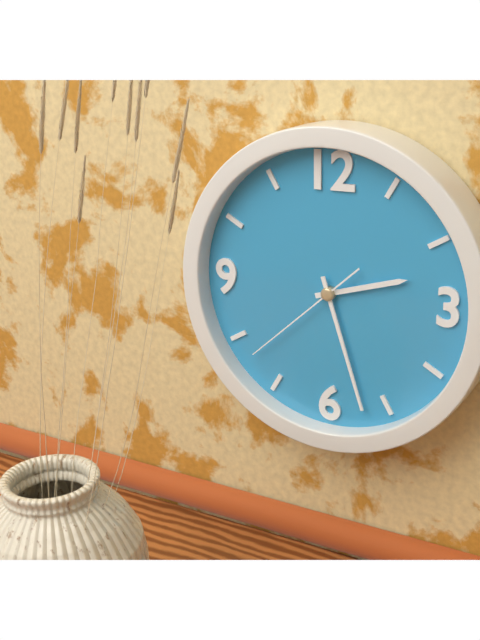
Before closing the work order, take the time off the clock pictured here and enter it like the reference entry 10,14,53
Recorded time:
2,27,38
